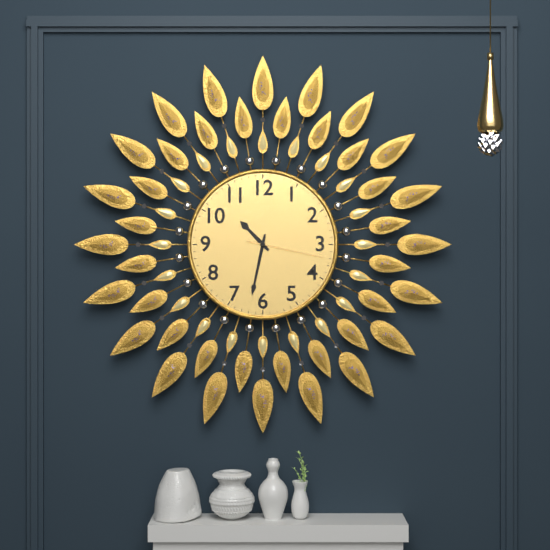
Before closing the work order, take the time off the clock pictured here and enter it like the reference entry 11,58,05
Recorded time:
10,32,17
